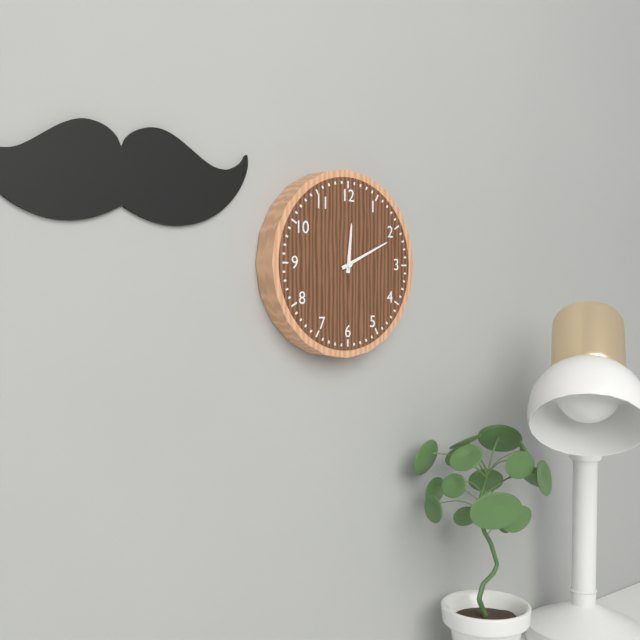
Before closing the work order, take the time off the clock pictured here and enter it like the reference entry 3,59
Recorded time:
12,11
